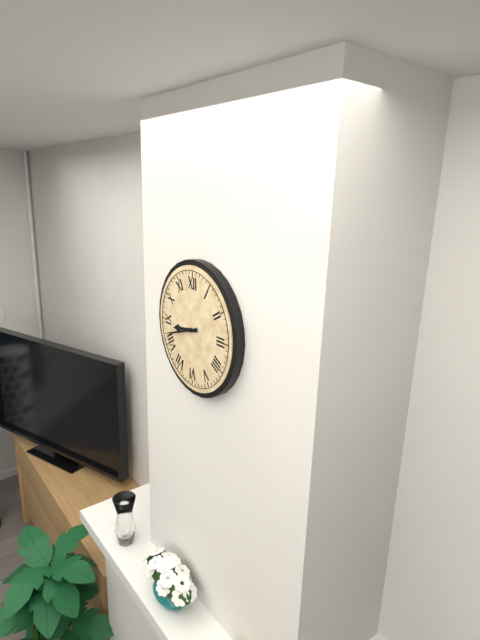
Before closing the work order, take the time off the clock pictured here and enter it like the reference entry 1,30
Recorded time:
8,42
